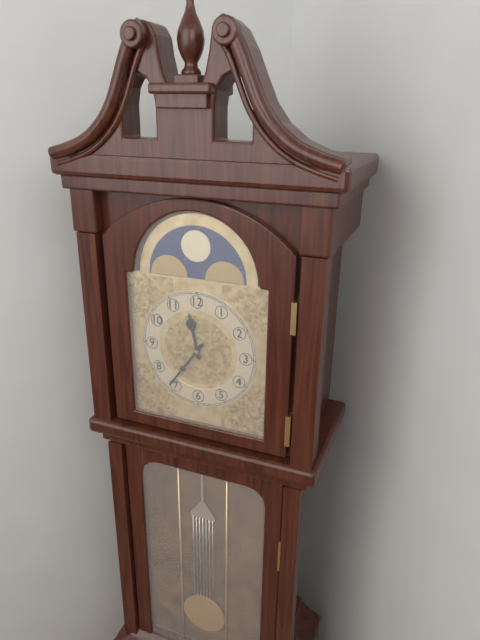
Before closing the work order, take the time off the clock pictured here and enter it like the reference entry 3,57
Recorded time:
11,36
